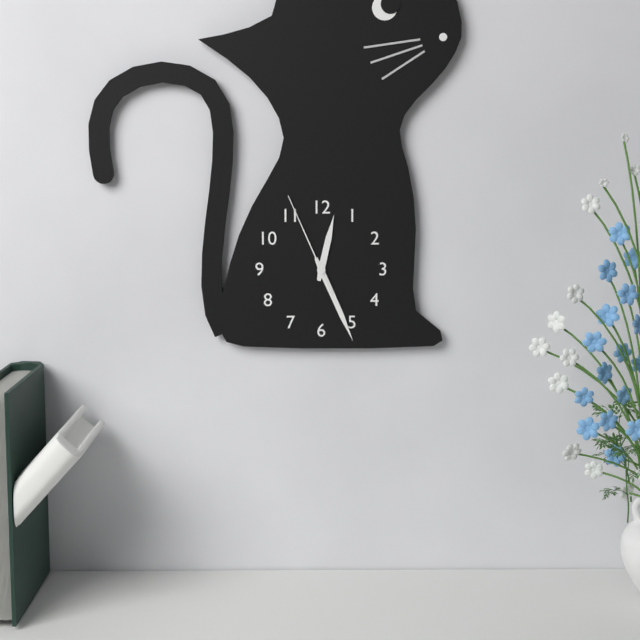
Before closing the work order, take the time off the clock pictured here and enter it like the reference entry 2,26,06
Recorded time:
12,26,56
